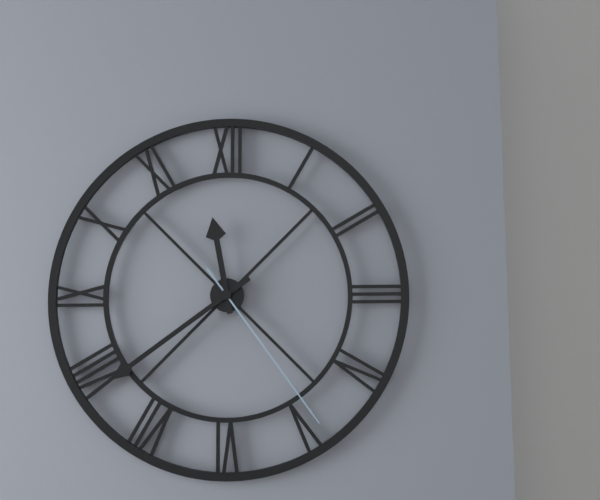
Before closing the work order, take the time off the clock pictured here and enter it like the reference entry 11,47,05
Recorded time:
11,39,24
